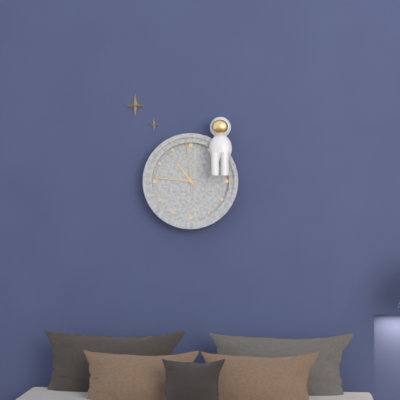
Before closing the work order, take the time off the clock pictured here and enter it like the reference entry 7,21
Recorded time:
10,46
